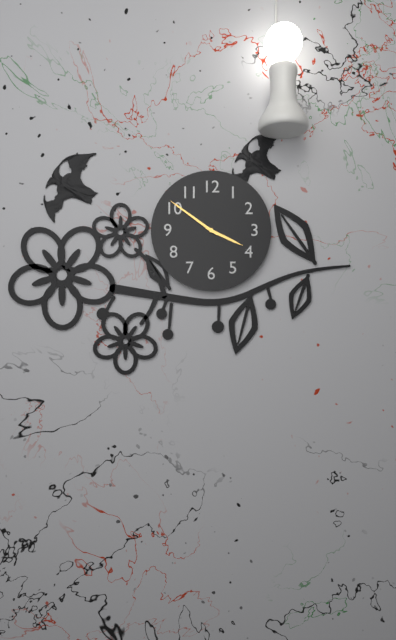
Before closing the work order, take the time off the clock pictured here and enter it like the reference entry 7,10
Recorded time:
3,51
